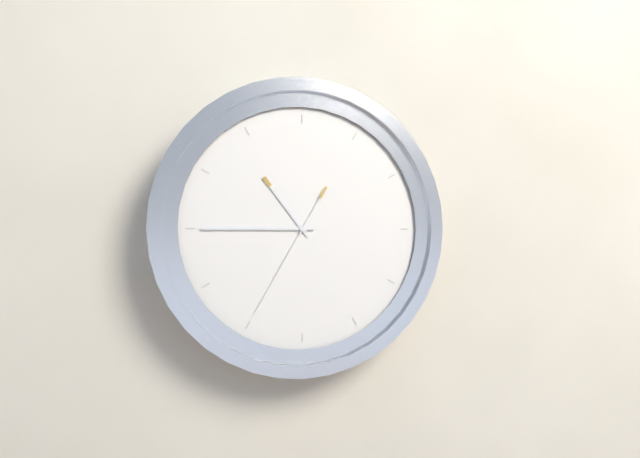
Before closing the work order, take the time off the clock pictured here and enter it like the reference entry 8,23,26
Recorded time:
10,45,35
